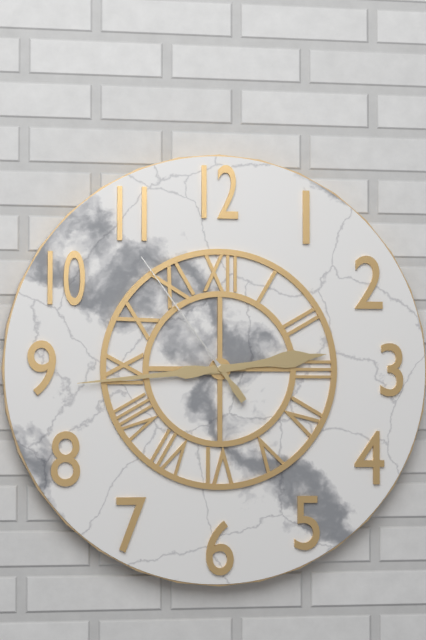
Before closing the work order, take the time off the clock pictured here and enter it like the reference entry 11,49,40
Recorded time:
2,44,54
